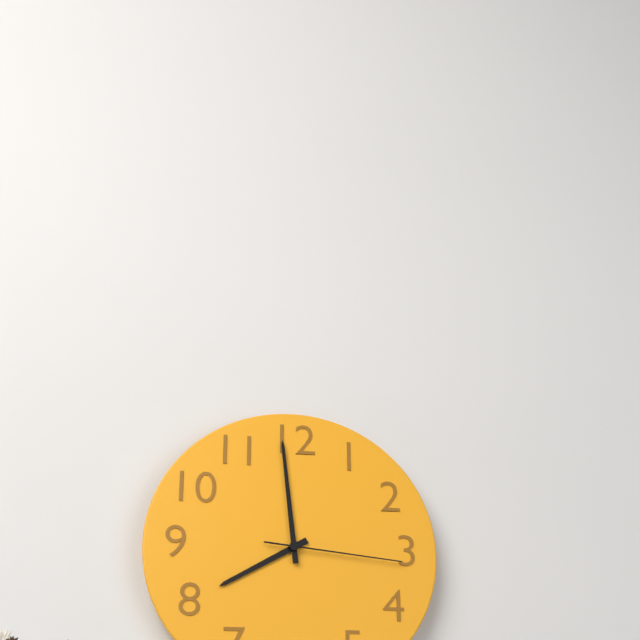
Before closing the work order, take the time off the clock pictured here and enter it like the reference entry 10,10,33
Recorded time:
7,59,16
